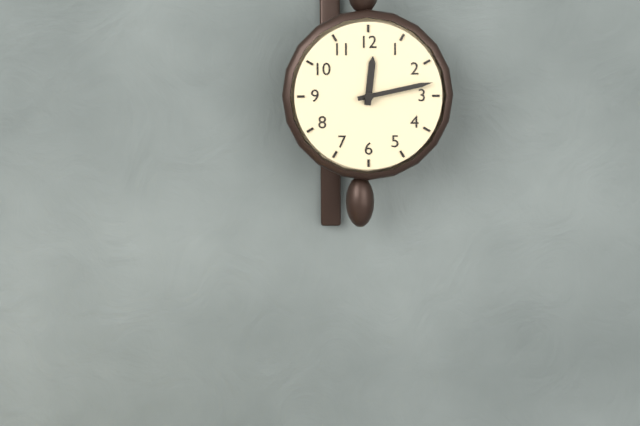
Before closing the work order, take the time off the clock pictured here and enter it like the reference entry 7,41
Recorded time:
12,13
